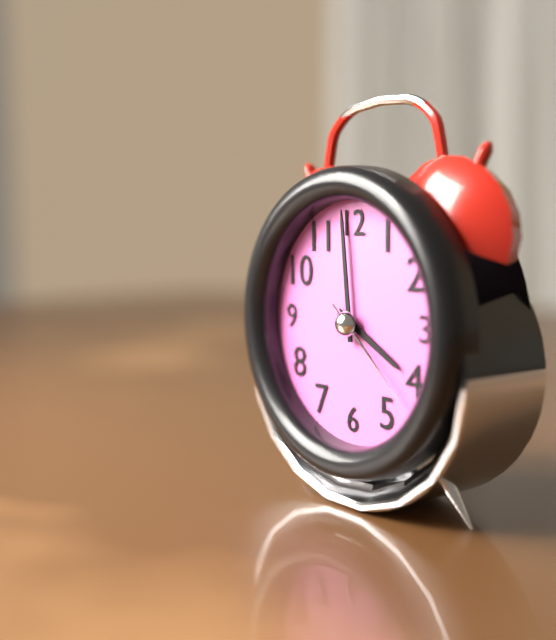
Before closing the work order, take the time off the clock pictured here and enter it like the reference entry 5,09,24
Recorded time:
3,59,22
